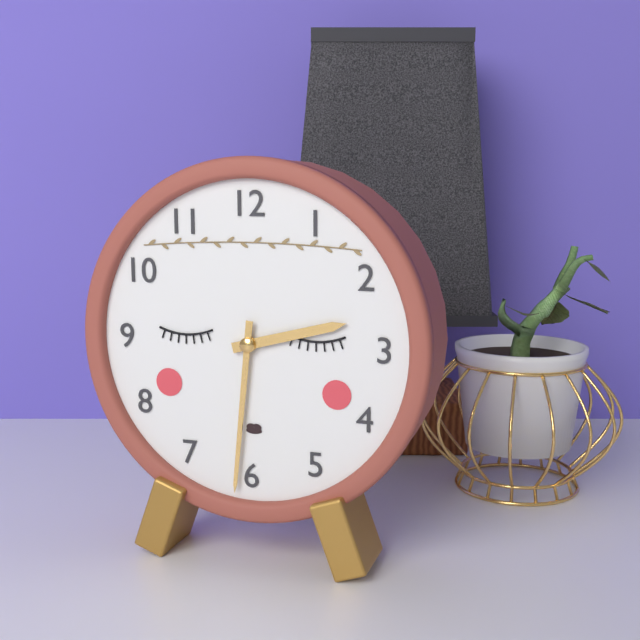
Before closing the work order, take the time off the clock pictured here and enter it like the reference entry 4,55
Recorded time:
2,31
